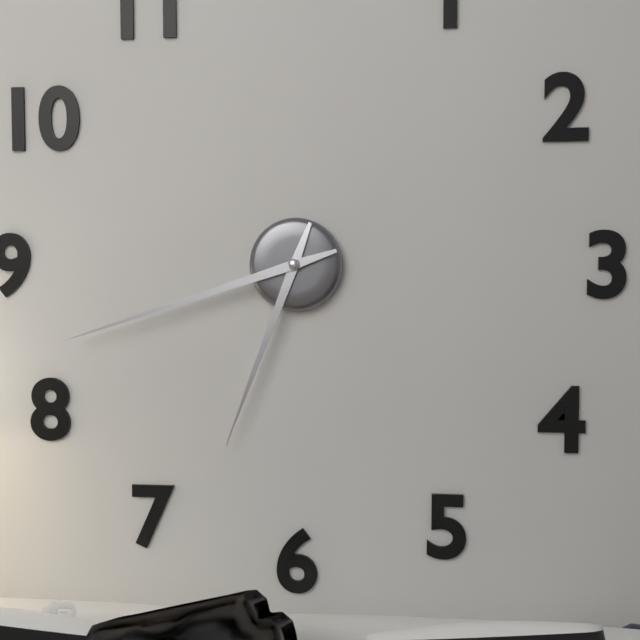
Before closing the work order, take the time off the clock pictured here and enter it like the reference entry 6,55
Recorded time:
6,42
